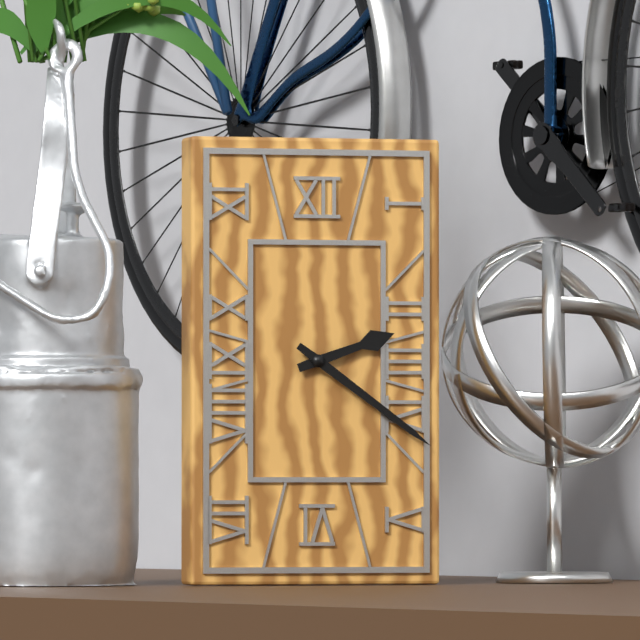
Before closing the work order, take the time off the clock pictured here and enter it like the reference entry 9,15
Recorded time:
2,21
